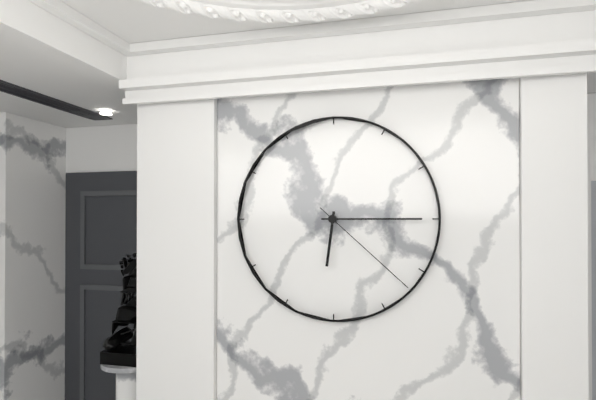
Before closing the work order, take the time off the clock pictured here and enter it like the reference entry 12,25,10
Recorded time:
6,15,22
